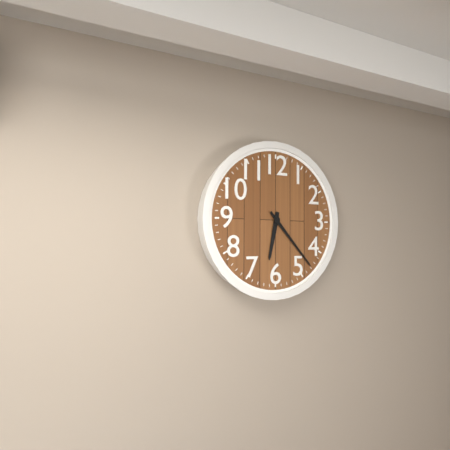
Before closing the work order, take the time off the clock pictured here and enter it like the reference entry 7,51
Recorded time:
6,23
